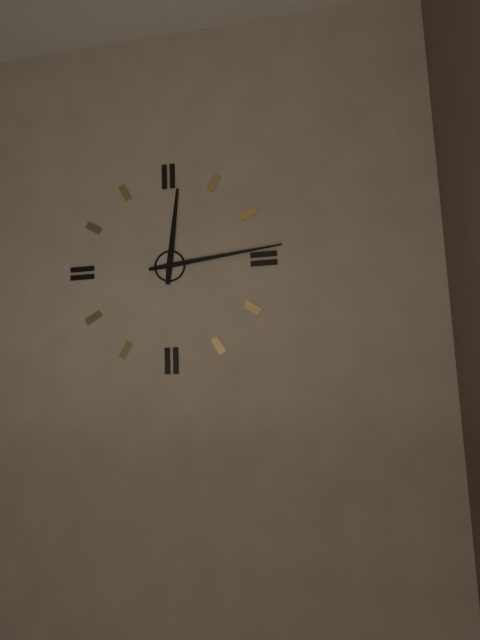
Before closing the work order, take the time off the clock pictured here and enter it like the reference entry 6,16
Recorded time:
12,14
